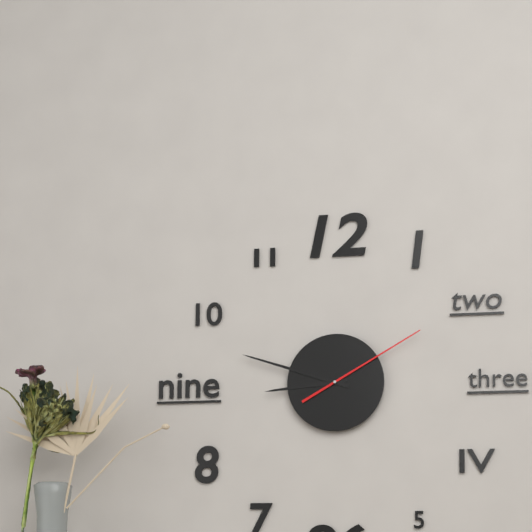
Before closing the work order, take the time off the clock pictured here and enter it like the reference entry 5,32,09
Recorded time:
8,48,10
